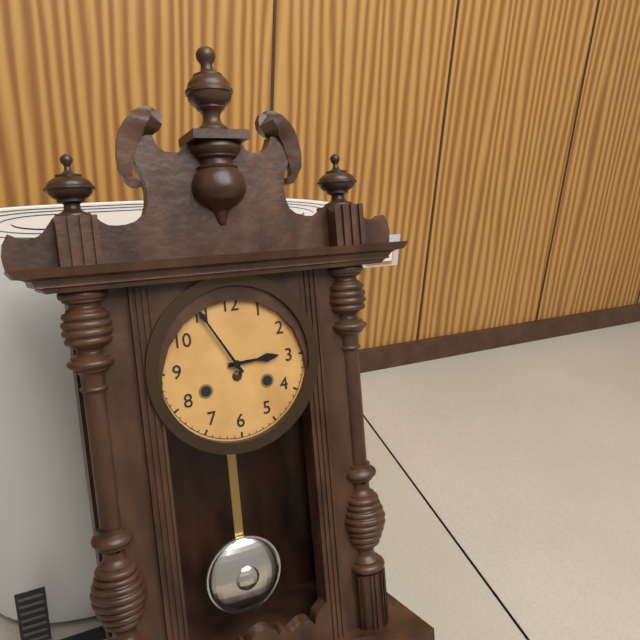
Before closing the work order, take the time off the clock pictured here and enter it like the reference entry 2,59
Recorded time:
2,55
